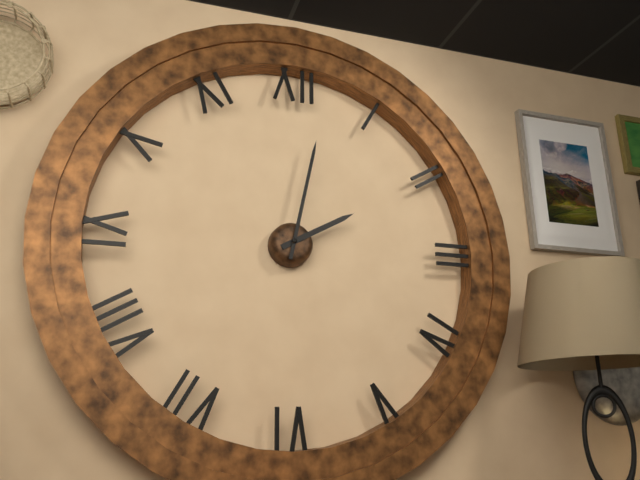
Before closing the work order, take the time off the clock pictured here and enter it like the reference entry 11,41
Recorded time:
2,02
